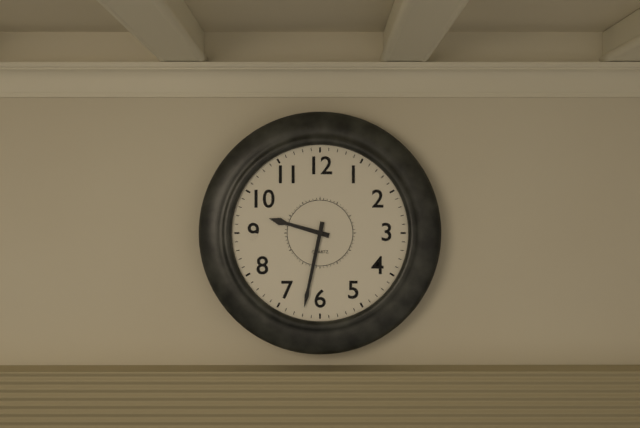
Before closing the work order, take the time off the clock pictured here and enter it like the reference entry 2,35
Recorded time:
9,32
